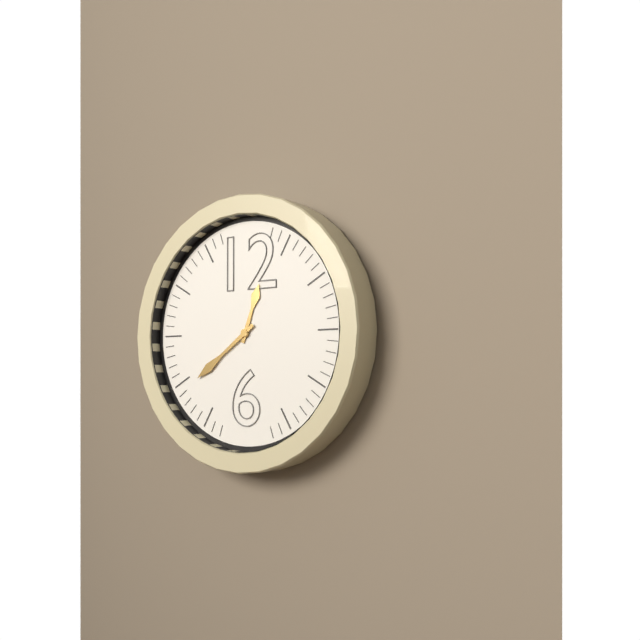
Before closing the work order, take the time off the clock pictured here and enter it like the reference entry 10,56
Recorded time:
12,39
